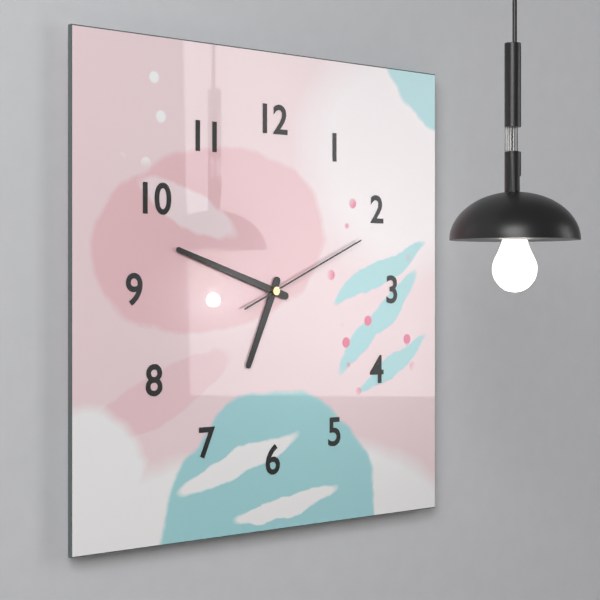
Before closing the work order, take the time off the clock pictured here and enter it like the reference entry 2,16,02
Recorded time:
6,48,11
